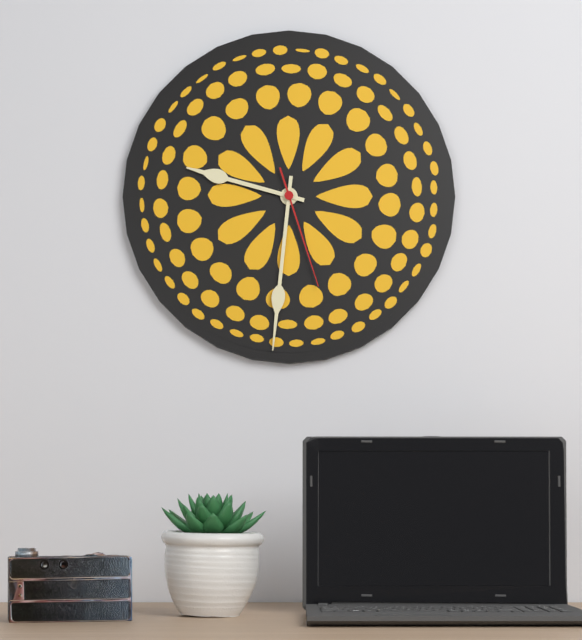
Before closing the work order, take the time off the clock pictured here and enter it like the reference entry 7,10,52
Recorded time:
9,31,27
